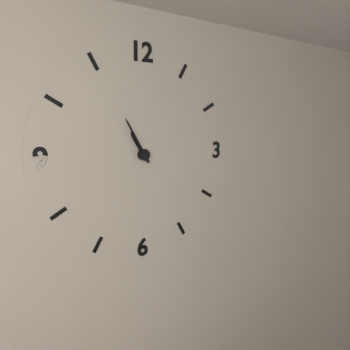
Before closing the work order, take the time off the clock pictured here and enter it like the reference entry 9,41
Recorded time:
10,55
